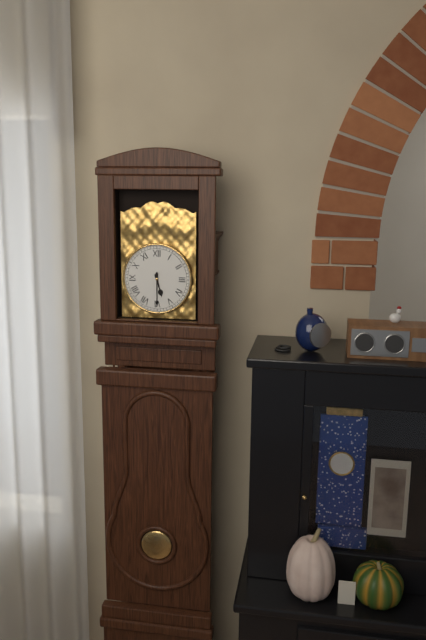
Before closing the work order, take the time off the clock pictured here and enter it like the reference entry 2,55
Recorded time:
5,30
